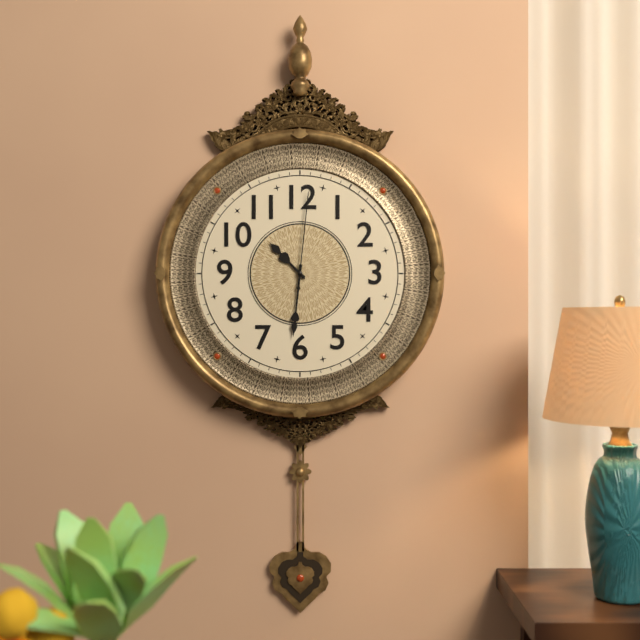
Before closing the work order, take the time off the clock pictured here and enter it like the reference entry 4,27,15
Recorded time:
10,31,01
